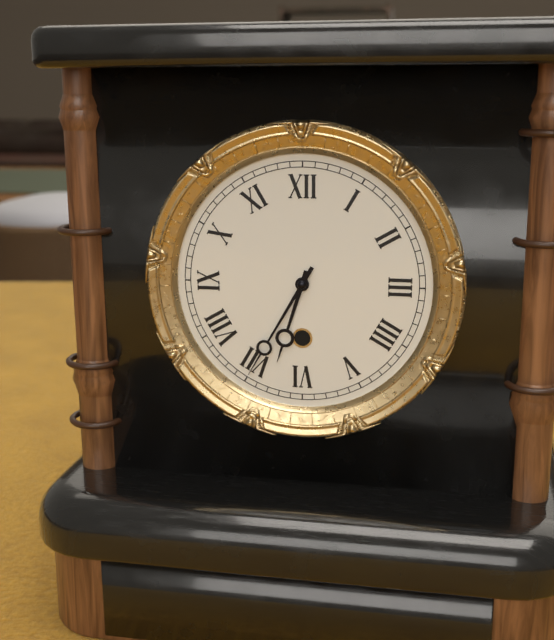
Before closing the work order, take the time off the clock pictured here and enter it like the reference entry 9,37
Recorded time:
6,35
